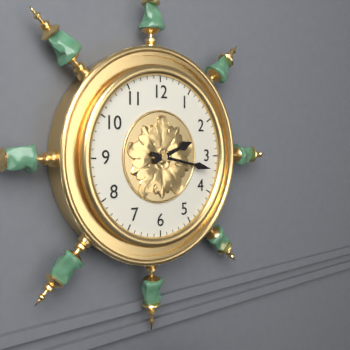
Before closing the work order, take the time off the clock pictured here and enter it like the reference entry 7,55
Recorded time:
2,17
